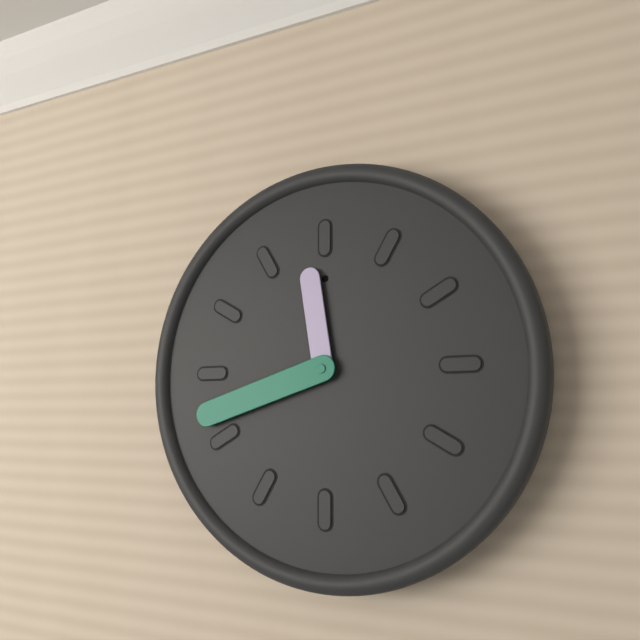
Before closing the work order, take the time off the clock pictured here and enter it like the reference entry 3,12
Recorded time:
11,42
